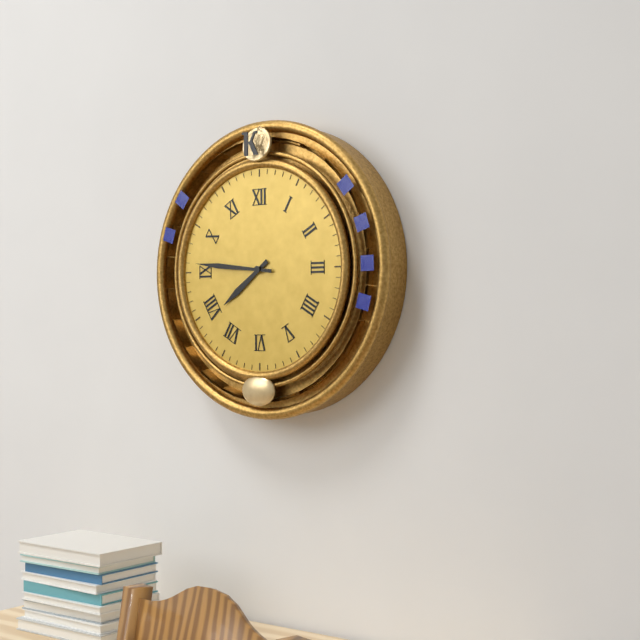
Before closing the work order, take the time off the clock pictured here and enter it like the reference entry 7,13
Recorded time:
7,46
